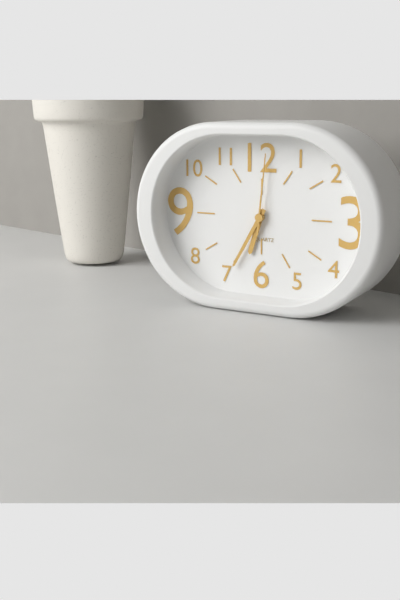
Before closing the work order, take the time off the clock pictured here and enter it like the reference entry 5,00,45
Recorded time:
6,35,01
